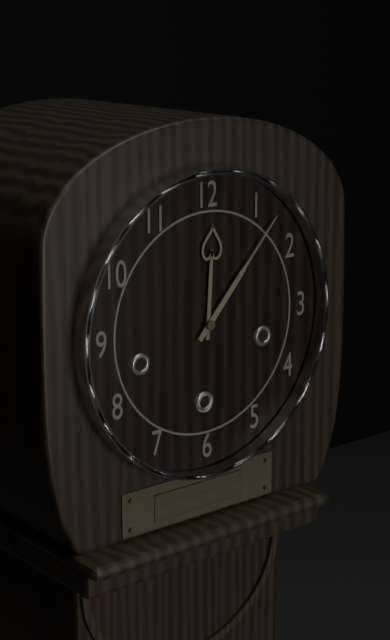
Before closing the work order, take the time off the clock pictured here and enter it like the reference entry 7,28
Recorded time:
12,07
